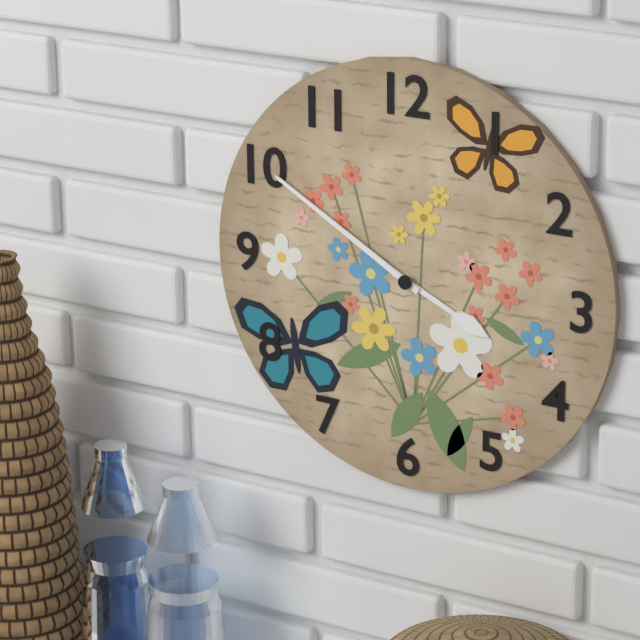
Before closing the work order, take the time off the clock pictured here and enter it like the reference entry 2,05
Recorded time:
3,50
